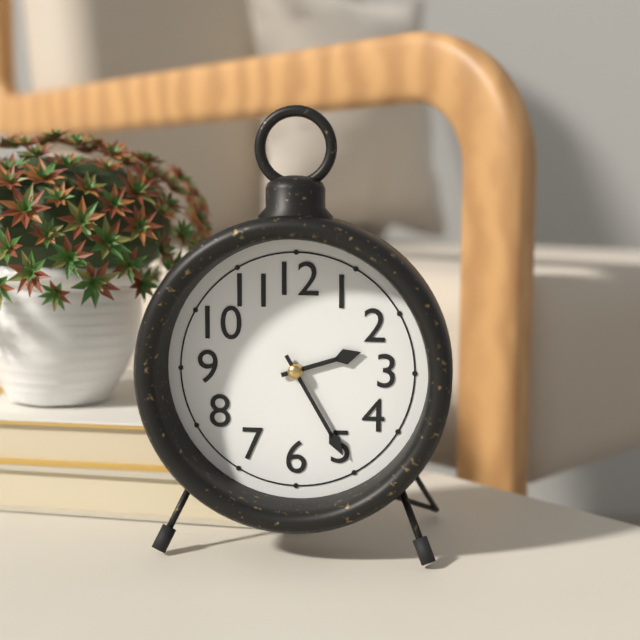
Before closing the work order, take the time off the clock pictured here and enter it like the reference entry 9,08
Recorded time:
2,25
